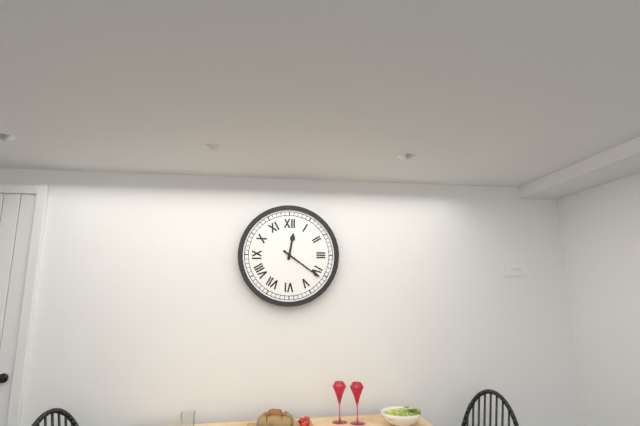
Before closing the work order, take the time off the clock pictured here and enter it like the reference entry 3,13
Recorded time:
12,21
